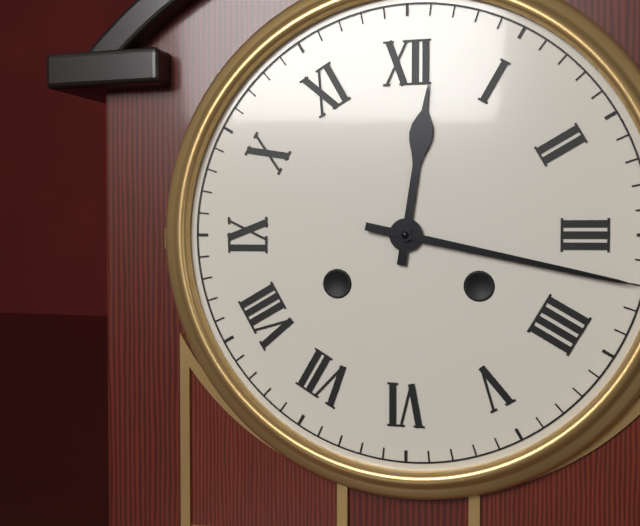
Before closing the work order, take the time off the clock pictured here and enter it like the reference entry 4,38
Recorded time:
12,17
